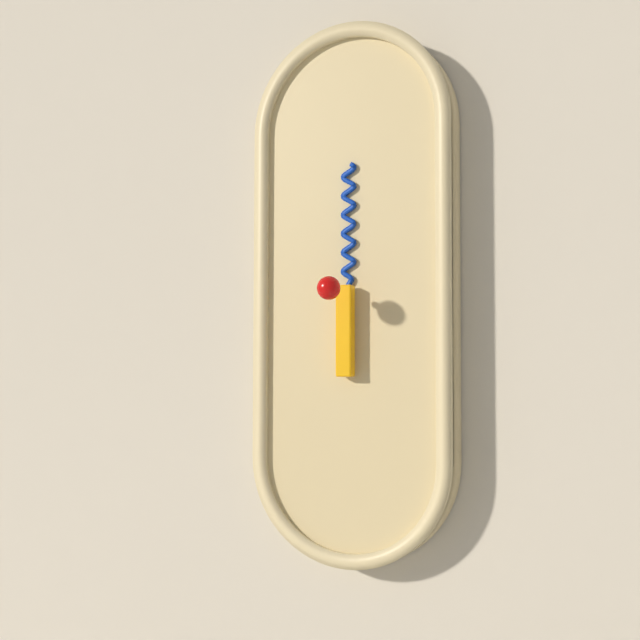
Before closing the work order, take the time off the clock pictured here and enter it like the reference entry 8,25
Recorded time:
6,00
